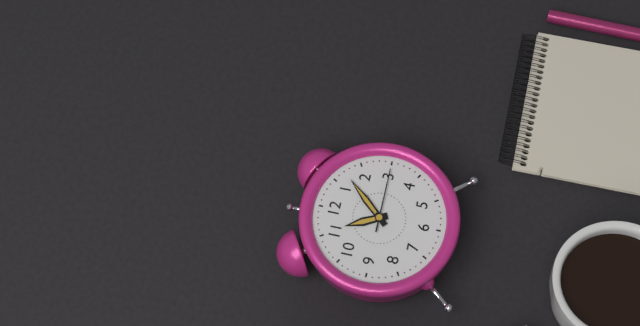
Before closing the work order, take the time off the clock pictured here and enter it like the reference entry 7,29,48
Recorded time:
11,07,15
